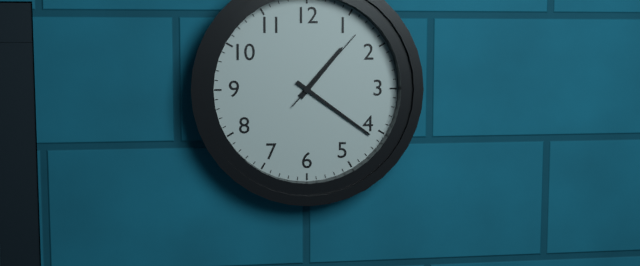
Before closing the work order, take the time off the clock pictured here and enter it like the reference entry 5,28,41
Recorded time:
1,21,07
